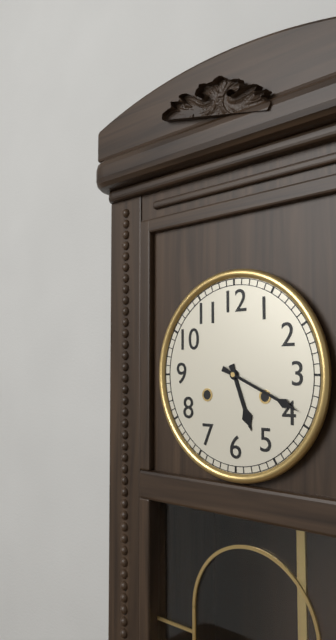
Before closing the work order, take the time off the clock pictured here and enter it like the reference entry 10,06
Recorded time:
5,19
